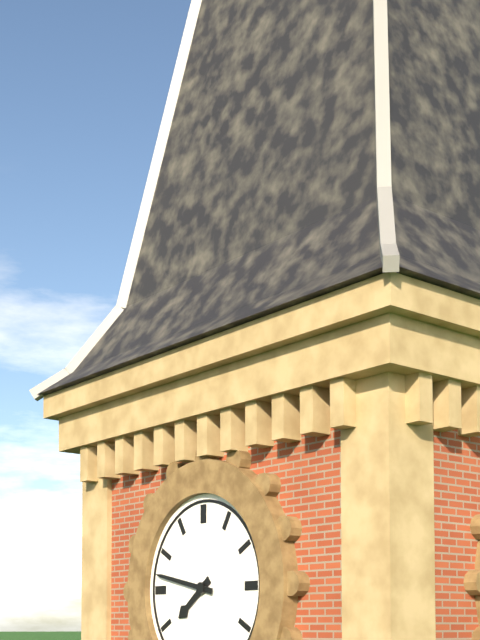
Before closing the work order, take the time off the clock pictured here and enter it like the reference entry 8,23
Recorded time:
7,47
